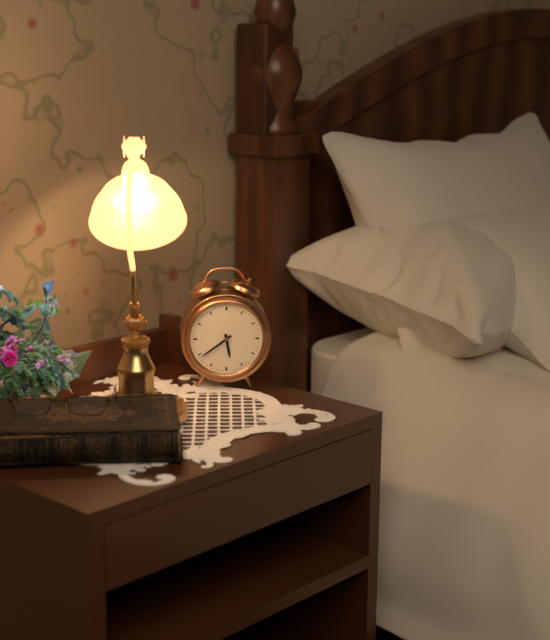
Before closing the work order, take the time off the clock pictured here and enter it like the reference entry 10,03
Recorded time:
5,39
